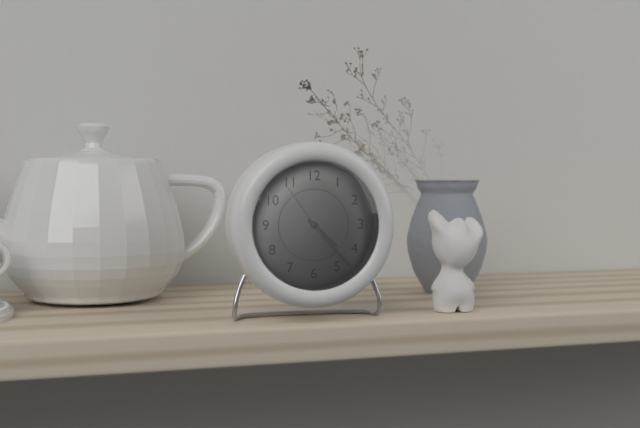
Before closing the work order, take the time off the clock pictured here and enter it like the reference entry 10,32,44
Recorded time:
4,23,54
